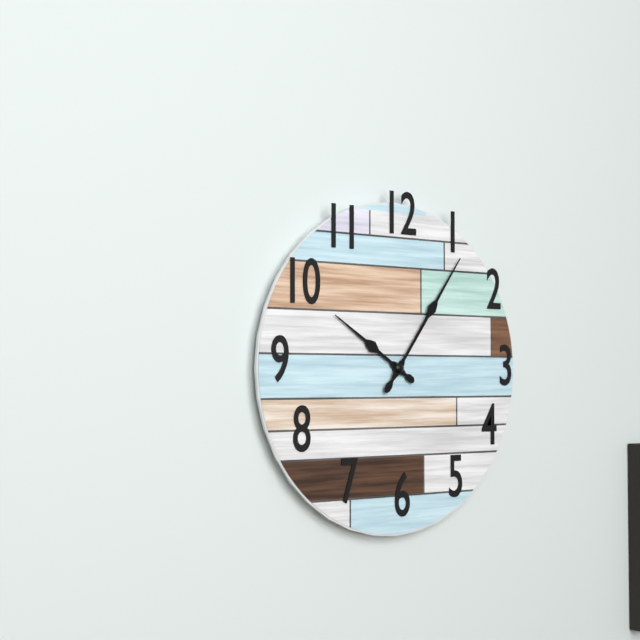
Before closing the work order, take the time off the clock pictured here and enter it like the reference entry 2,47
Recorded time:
10,06
